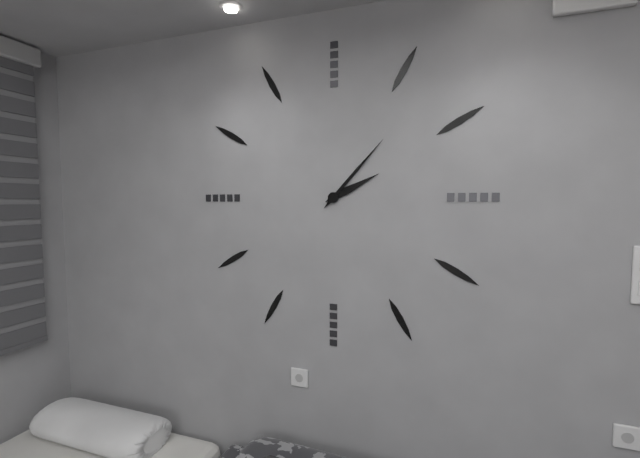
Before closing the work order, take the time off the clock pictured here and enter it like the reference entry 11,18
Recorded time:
2,07
